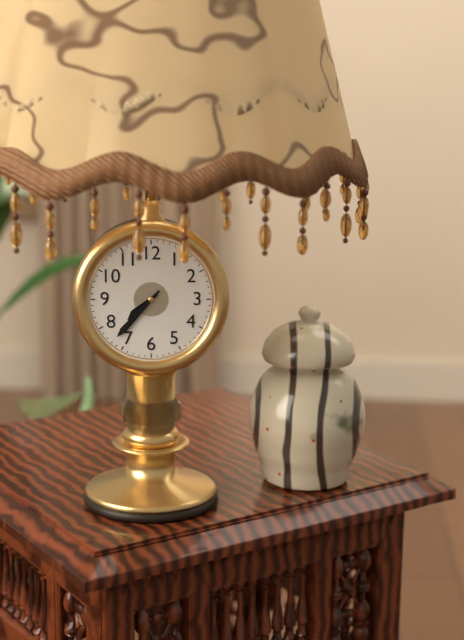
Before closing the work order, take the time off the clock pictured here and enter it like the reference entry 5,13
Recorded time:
7,37
